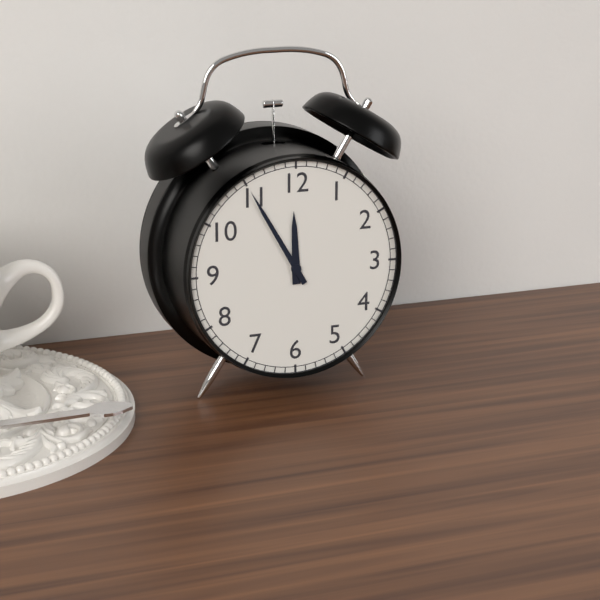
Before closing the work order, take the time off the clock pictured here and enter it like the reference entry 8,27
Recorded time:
11,55
